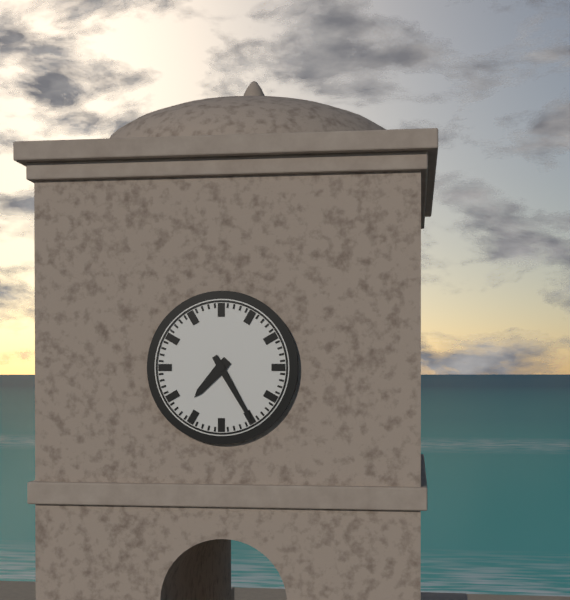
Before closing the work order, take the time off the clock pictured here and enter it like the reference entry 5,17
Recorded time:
7,25
